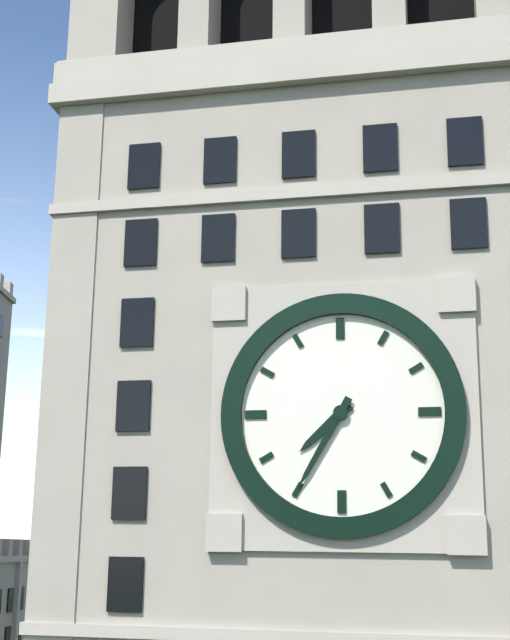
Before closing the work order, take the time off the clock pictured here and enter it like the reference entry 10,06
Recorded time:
7,35
